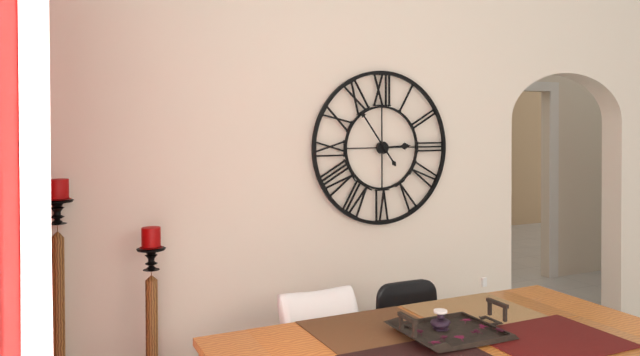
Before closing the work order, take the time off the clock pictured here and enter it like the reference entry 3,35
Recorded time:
2,54
